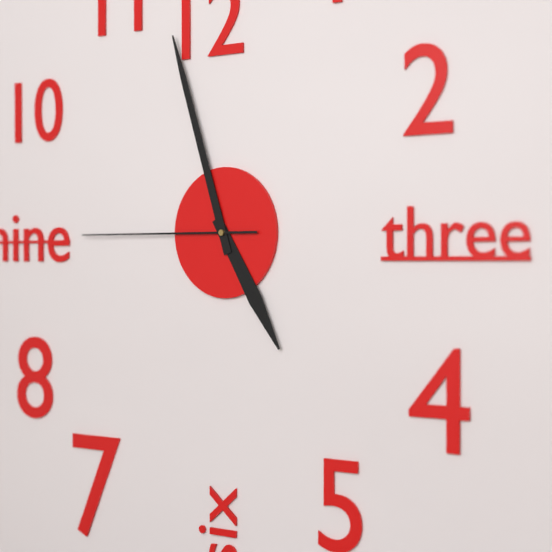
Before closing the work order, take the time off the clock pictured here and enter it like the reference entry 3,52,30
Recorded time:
4,57,45
